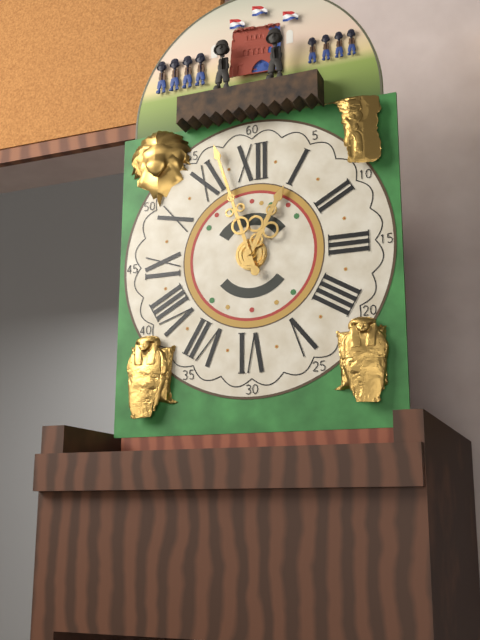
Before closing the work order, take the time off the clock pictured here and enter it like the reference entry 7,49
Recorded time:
12,57
